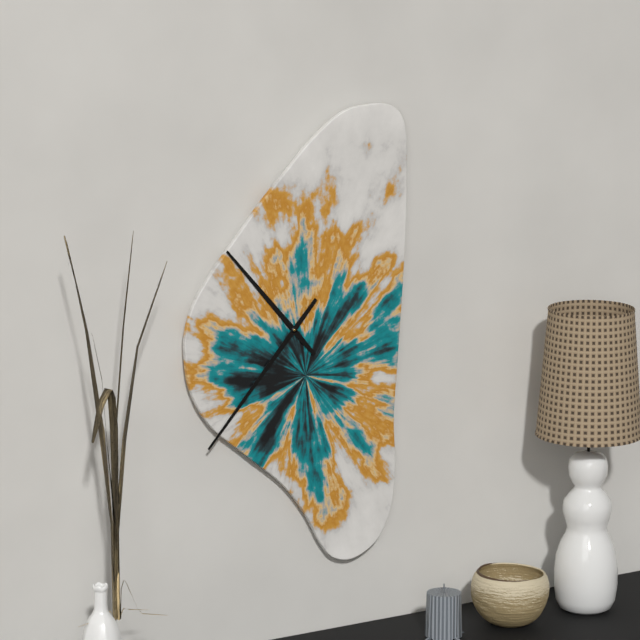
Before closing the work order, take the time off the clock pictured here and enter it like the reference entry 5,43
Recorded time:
10,37
